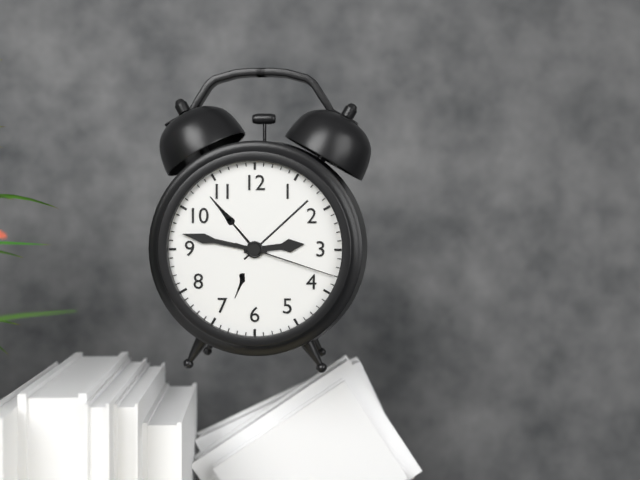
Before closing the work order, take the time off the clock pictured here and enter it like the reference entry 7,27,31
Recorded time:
2,47,18
